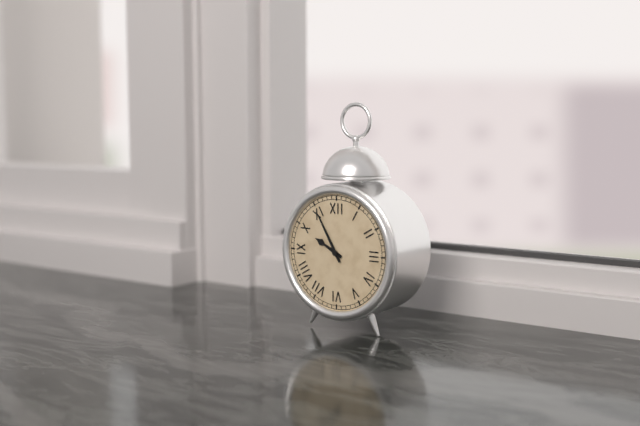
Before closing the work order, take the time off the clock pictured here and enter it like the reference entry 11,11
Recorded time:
9,55
